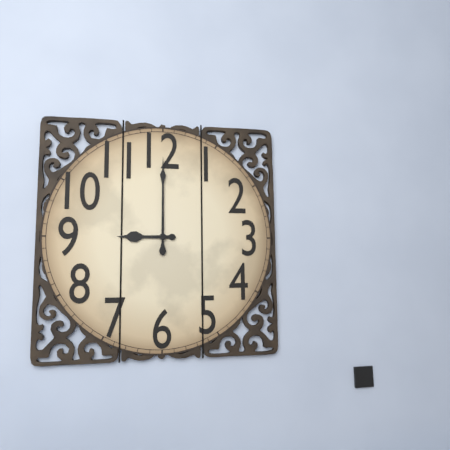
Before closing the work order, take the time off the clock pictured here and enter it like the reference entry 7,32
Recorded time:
9,00
